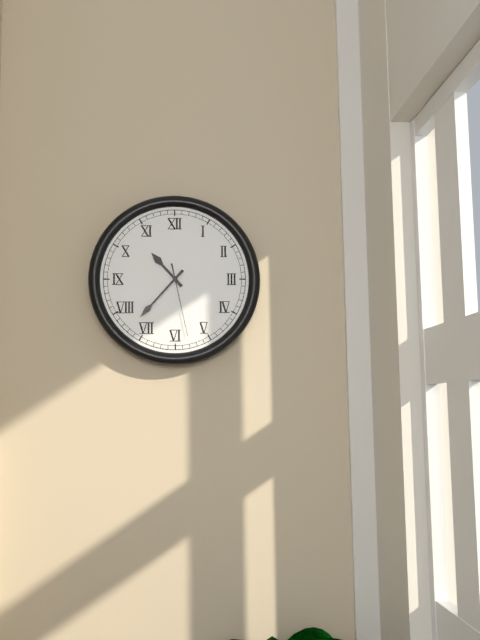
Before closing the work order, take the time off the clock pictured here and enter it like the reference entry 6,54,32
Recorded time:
10,37,28
